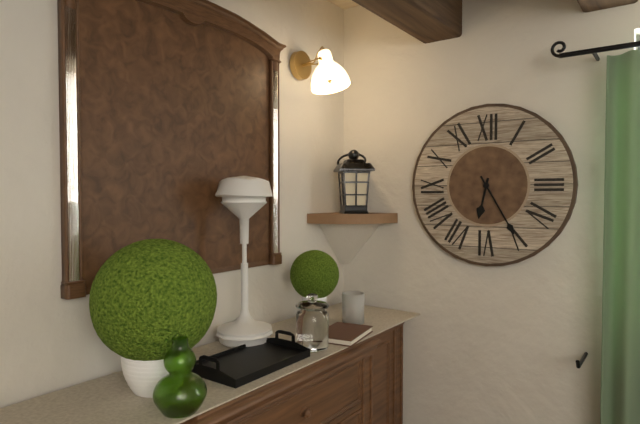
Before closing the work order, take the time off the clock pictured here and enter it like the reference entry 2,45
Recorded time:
6,25
